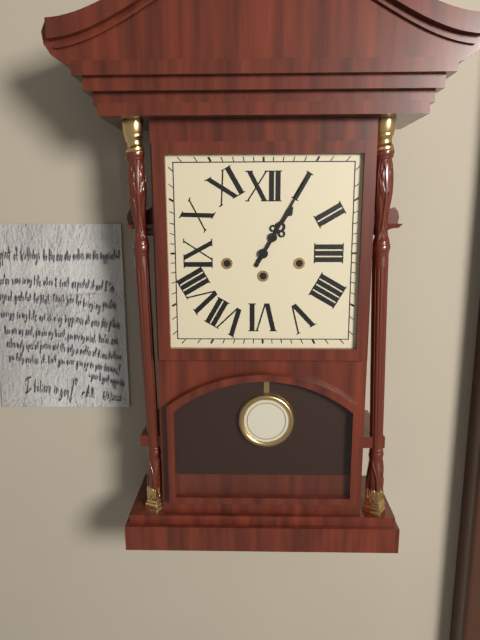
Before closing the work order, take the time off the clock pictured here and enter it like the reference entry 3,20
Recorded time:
1,05
